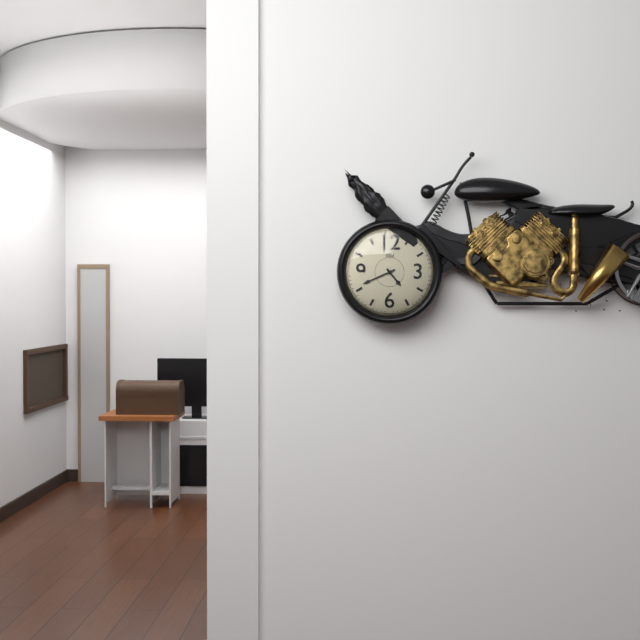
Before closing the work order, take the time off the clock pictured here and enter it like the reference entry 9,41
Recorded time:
4,41
